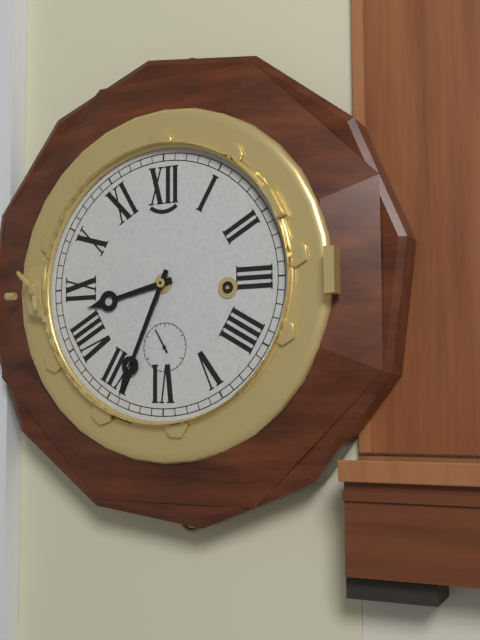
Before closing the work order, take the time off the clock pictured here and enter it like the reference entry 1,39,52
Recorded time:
8,34,55
